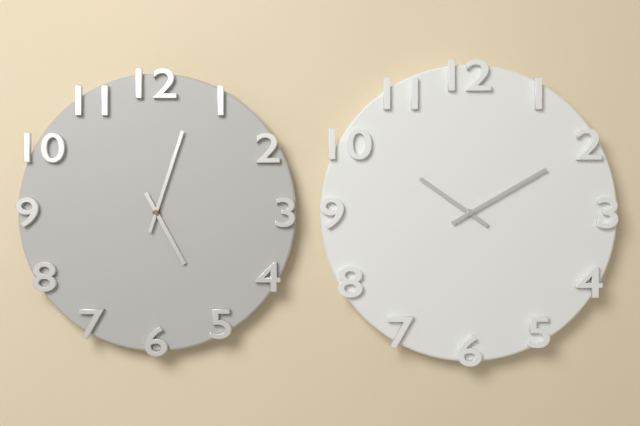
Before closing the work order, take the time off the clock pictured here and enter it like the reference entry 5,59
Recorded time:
5,03
